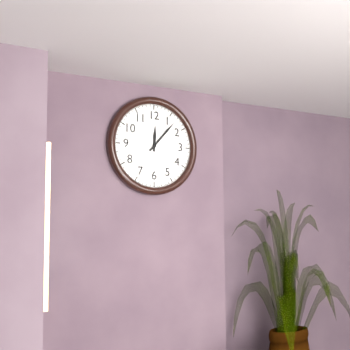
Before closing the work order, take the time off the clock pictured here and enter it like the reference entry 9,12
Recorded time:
12,07
